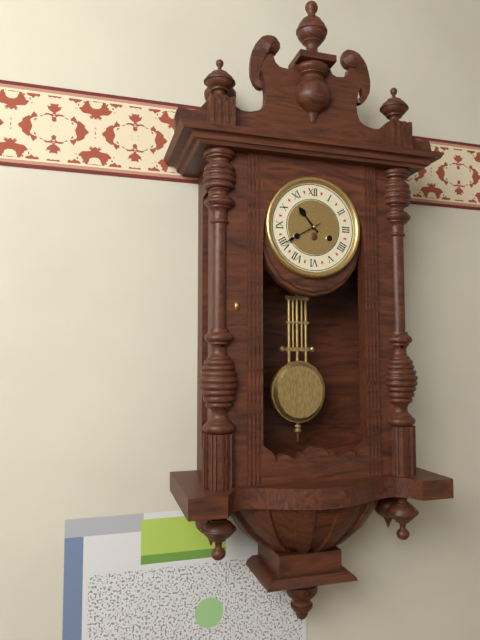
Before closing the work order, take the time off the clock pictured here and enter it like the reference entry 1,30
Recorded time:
10,40
